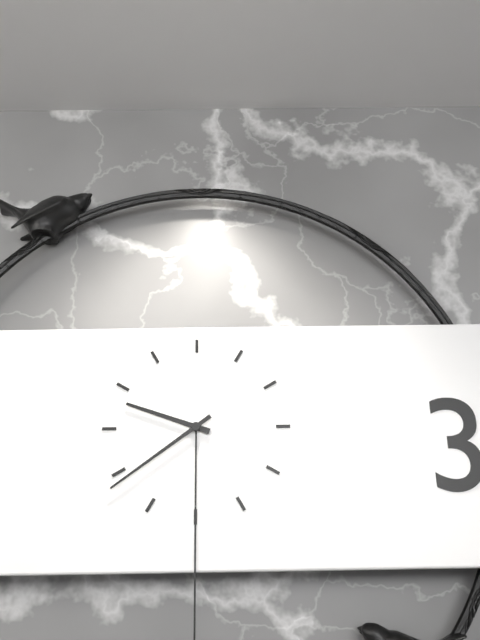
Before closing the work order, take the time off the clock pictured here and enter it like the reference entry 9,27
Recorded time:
9,39
